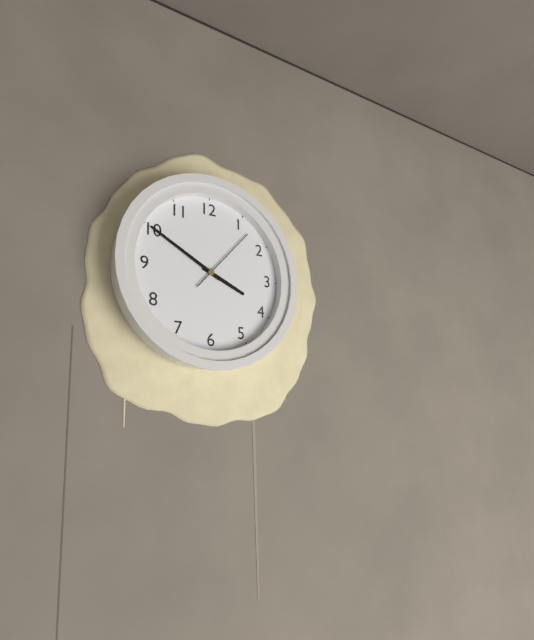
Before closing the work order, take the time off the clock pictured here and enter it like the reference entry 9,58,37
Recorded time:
3,50,07
